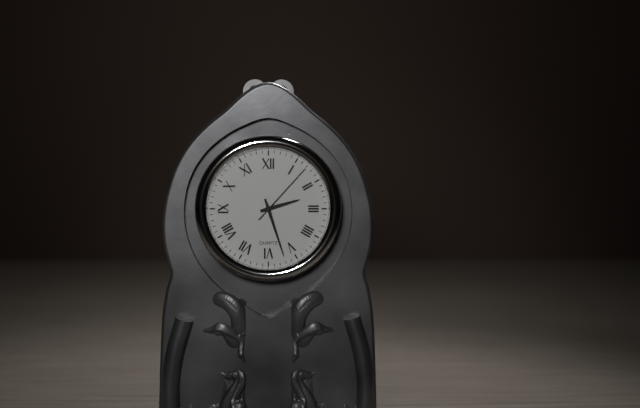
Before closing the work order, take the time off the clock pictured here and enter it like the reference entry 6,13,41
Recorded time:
2,27,07
